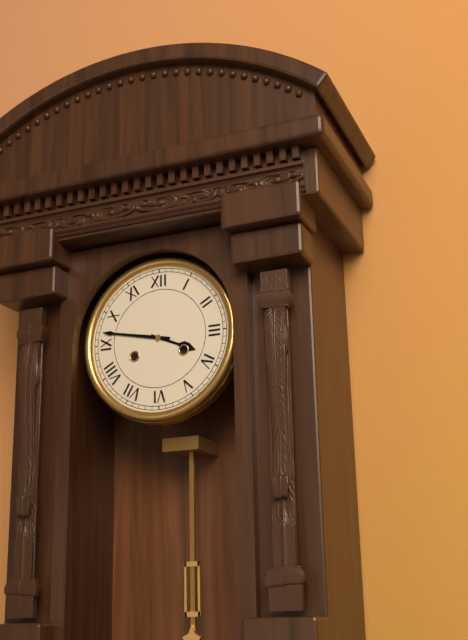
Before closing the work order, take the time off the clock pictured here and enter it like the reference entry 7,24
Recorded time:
3,47
